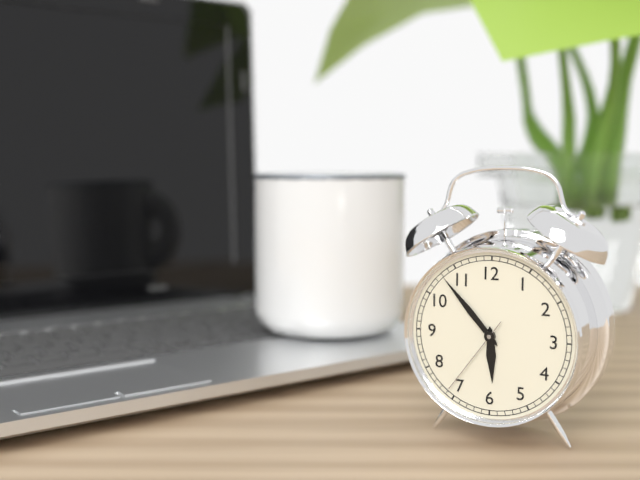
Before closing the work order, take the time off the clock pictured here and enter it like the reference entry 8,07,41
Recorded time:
5,53,36
